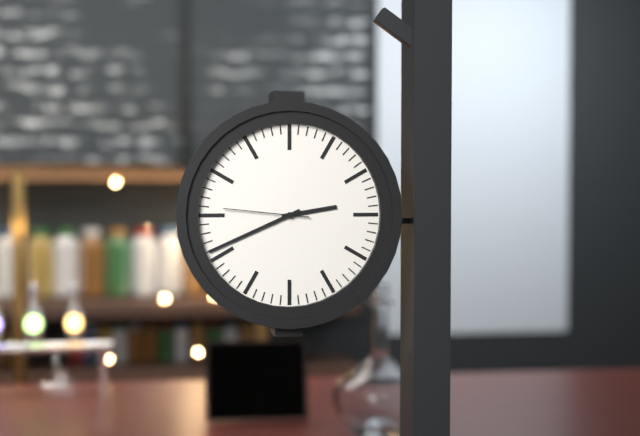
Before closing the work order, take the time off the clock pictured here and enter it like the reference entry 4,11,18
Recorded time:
2,41,46
